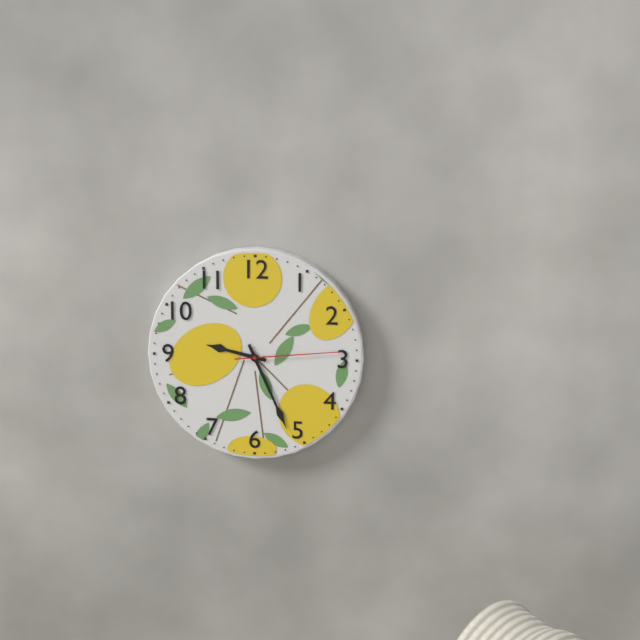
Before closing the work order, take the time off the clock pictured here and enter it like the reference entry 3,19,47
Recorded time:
9,26,14
